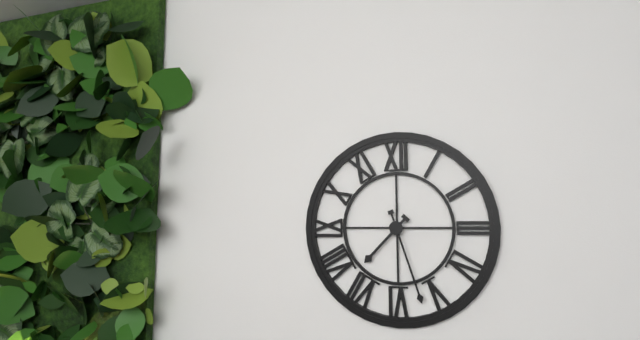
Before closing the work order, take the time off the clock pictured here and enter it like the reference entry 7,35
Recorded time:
7,27
